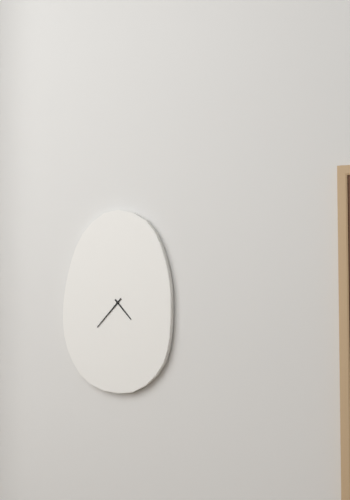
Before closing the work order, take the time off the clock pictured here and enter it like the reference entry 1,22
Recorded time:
4,37
